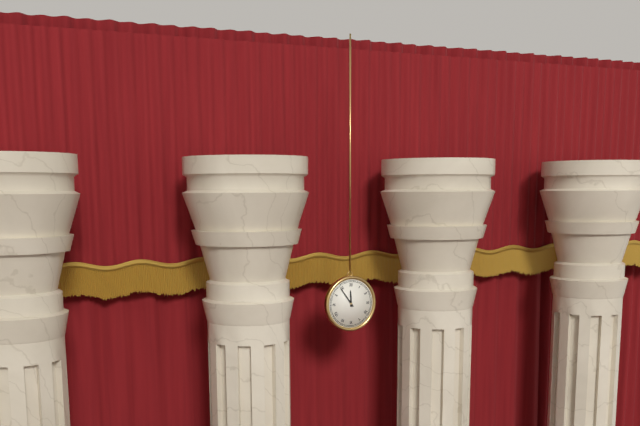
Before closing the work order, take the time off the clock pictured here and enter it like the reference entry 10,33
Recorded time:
11,54
